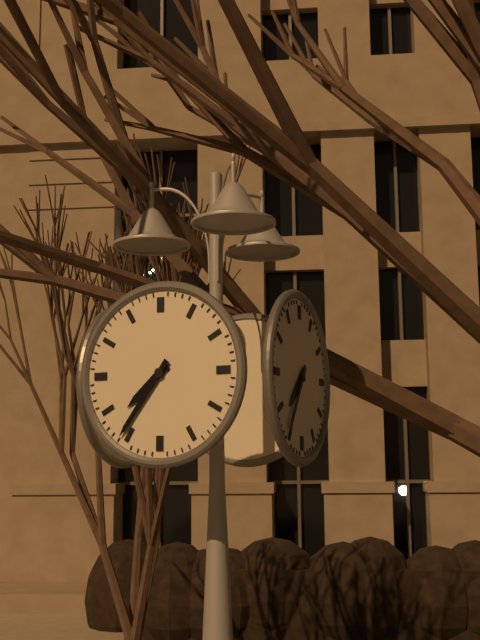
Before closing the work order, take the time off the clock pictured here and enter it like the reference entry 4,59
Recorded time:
7,36
